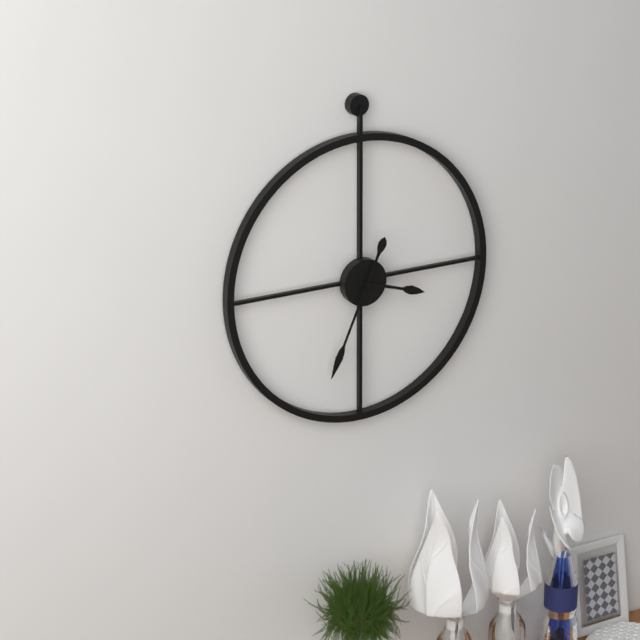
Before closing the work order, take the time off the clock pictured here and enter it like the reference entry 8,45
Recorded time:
3,34
